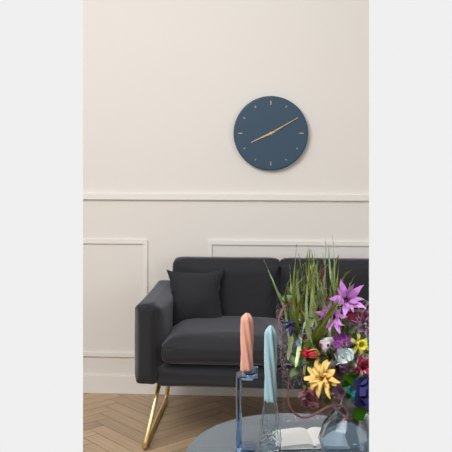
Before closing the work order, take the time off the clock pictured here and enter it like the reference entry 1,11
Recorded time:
8,10
